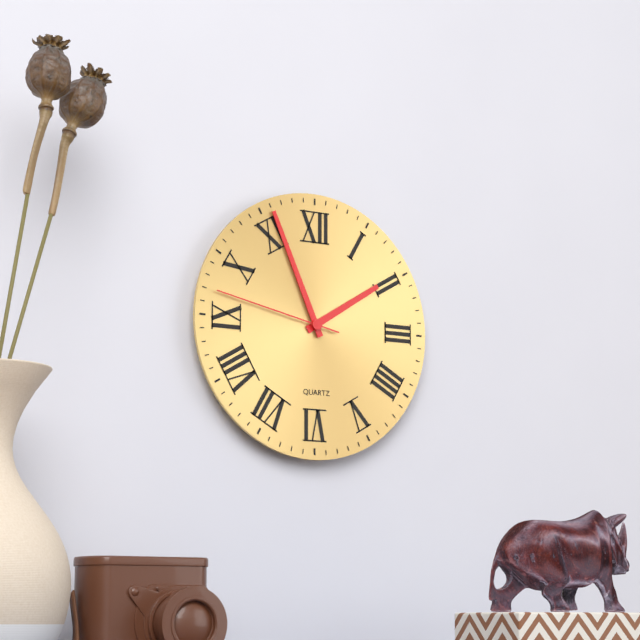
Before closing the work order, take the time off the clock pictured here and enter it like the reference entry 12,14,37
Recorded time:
1,56,47
